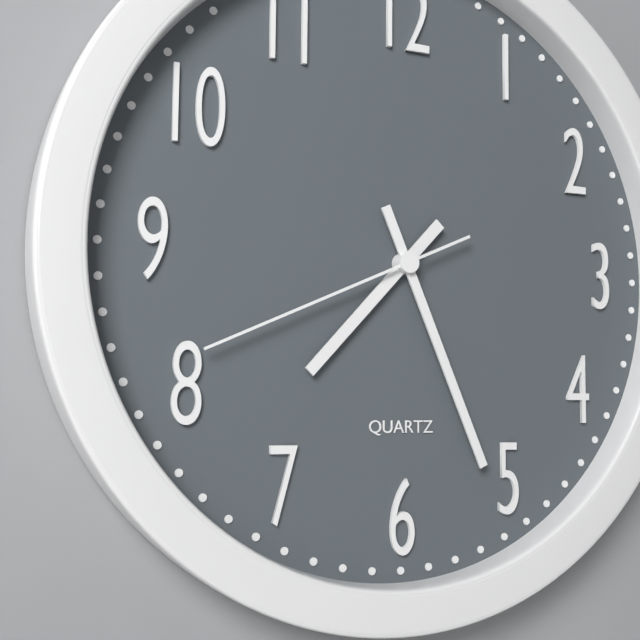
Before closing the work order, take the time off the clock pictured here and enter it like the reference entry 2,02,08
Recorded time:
7,26,41
